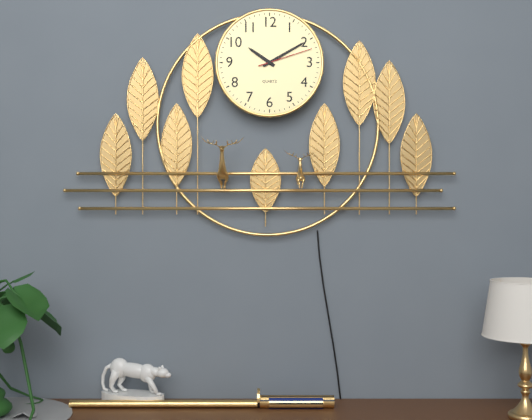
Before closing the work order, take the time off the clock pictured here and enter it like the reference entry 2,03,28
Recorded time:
10,10,12
